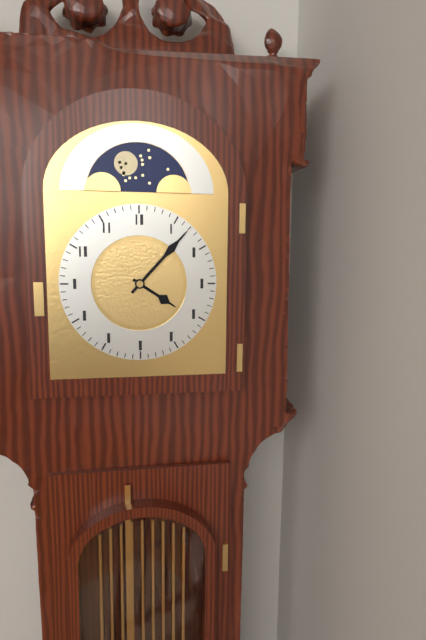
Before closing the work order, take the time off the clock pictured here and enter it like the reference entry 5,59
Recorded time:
4,07
